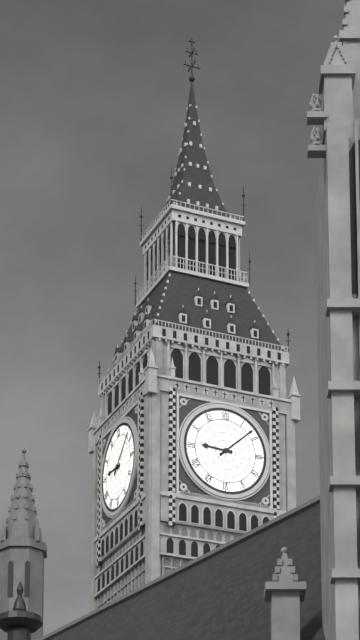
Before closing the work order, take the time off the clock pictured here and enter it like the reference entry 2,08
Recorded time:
9,08
